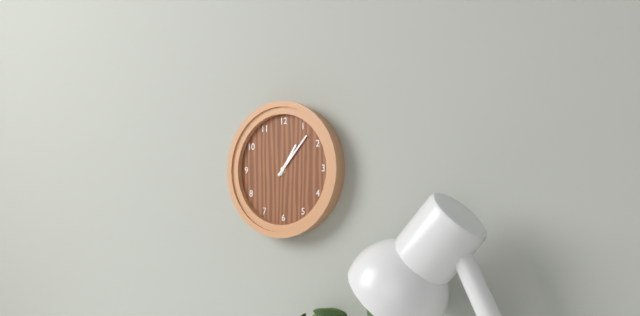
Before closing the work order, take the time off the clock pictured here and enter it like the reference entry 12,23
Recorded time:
1,07
